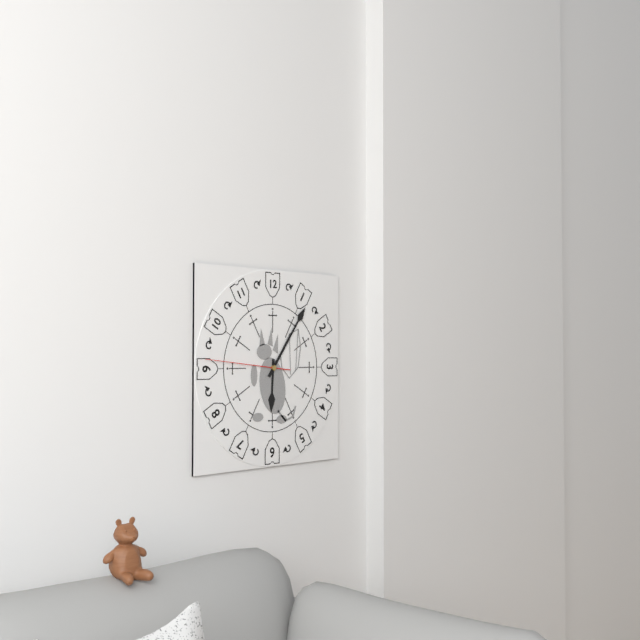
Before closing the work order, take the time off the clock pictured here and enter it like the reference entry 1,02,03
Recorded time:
6,06,46
